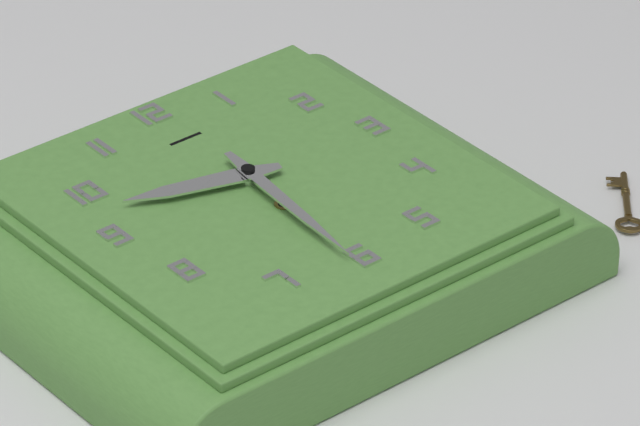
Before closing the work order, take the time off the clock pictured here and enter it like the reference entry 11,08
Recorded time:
9,31
